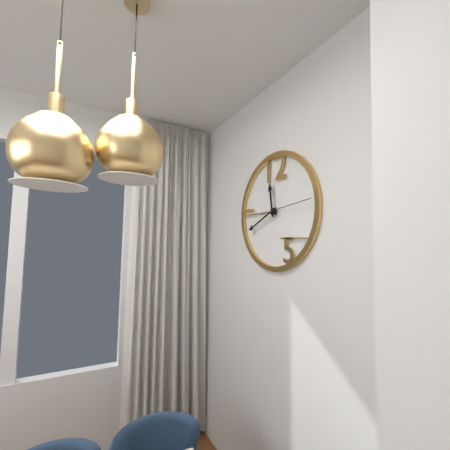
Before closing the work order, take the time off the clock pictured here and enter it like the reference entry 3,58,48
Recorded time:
11,41,14
